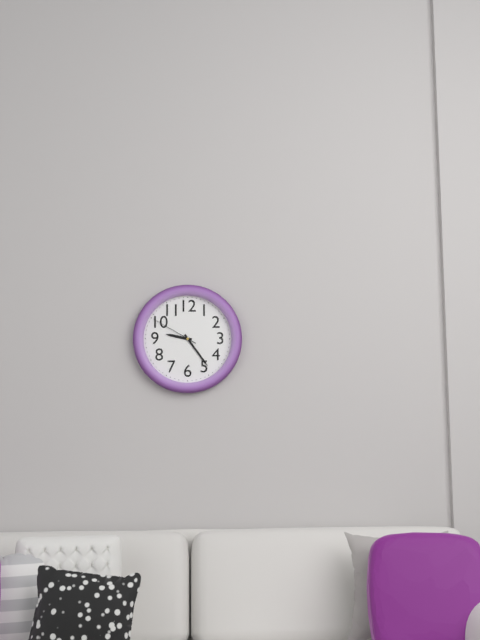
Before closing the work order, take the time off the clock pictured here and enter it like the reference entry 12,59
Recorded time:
9,24
